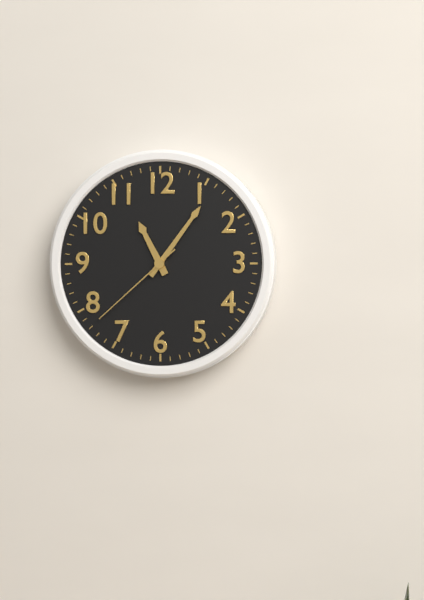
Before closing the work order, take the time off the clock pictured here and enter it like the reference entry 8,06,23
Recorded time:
11,06,38
